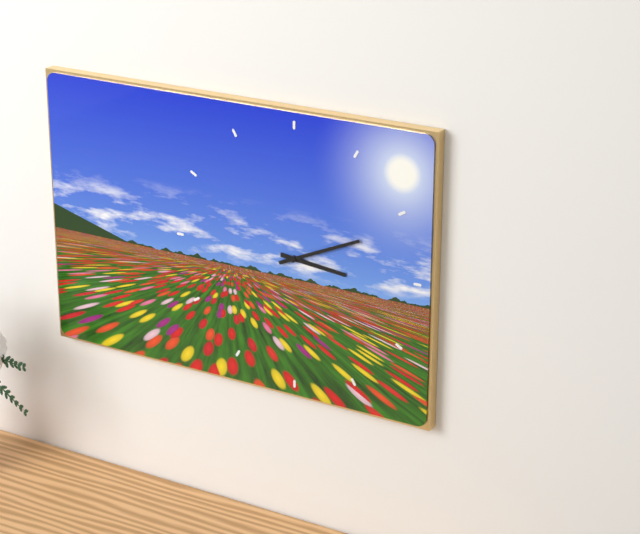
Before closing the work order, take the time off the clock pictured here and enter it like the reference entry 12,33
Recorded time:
3,11
